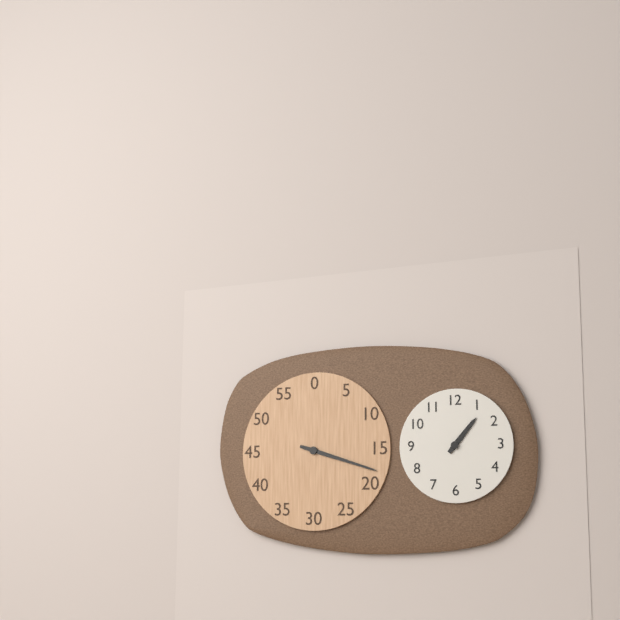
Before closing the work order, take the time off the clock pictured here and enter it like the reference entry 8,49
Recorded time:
1,18
